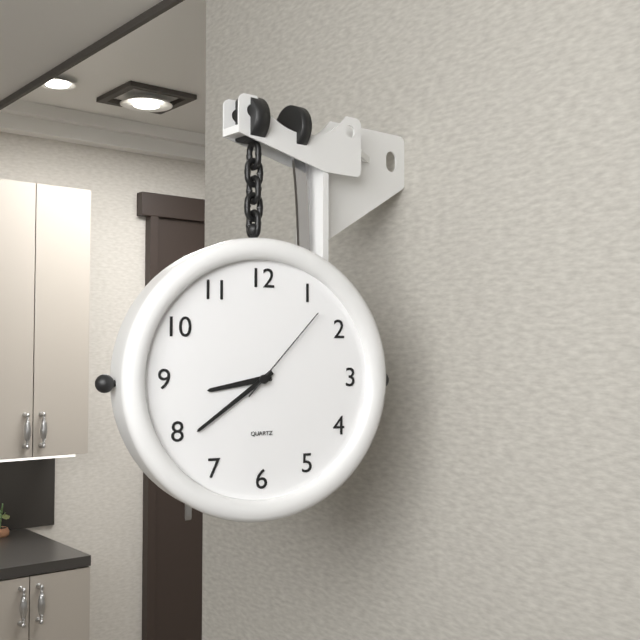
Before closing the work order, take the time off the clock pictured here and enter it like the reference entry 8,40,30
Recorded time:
8,39,07
